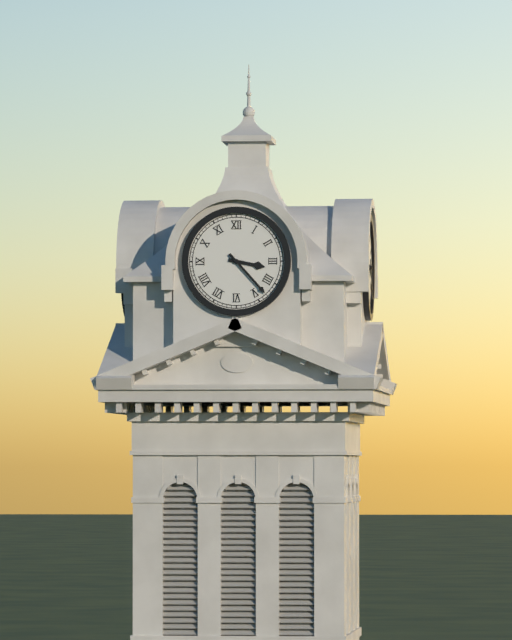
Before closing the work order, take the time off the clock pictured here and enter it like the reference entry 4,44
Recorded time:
3,23
